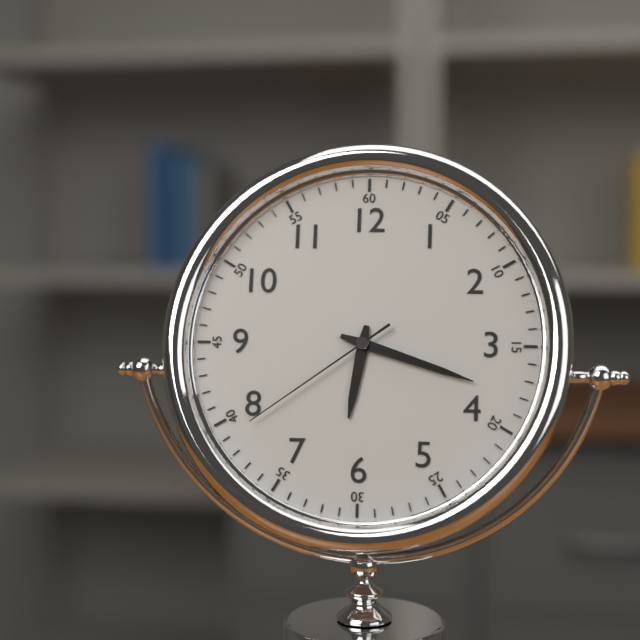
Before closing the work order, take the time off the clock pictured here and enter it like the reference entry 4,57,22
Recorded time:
6,18,39
